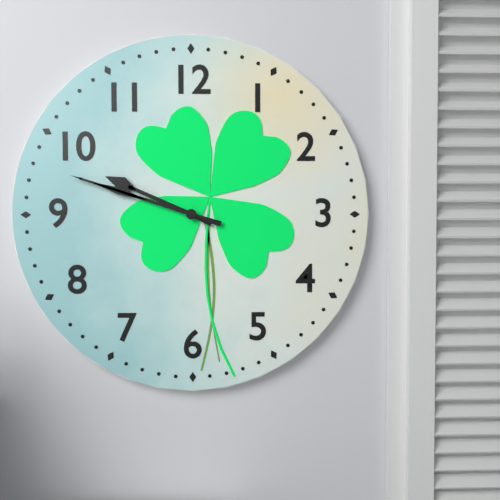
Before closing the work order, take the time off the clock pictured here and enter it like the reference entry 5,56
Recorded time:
9,48
